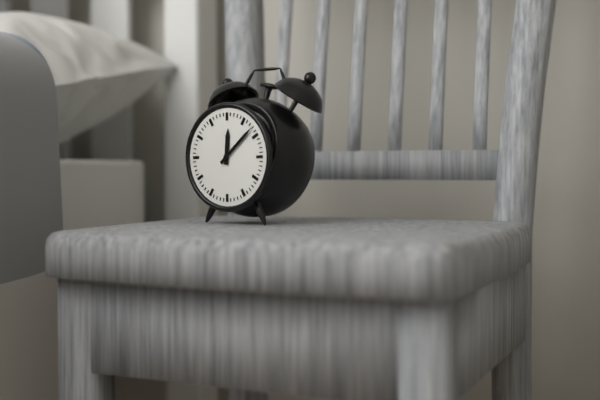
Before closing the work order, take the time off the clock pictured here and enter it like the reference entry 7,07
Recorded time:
12,08
